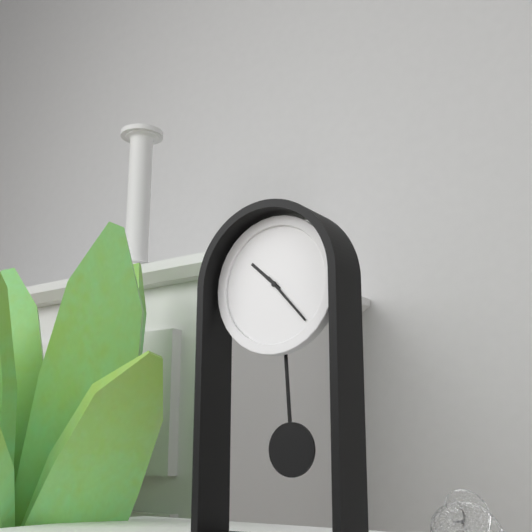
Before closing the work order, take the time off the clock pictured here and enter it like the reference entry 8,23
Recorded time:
10,23
